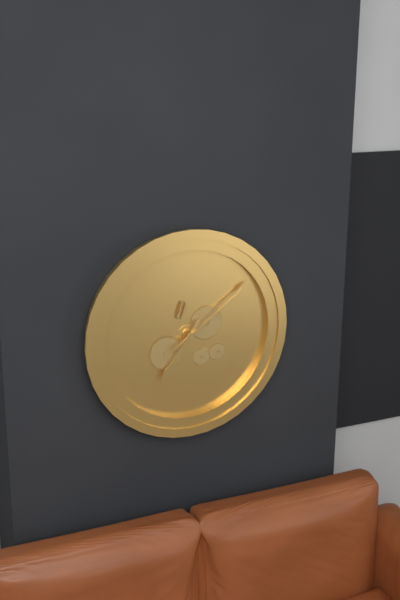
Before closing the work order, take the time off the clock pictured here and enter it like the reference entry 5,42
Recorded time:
7,09
